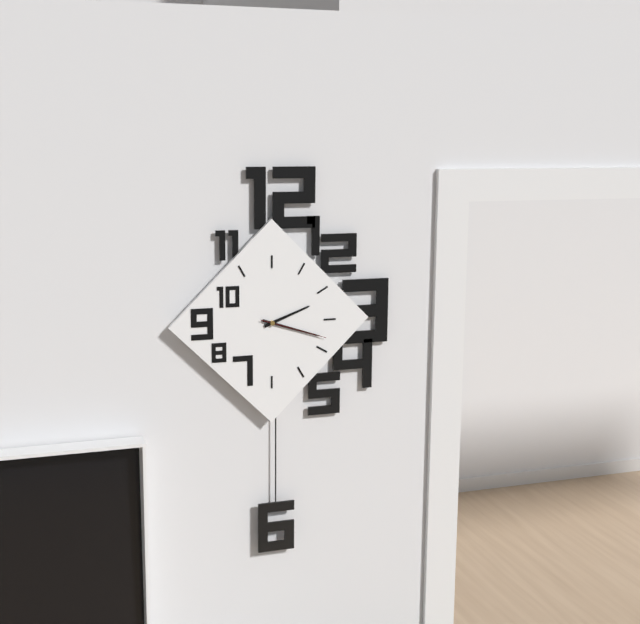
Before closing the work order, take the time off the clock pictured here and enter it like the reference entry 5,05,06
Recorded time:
2,18,18
